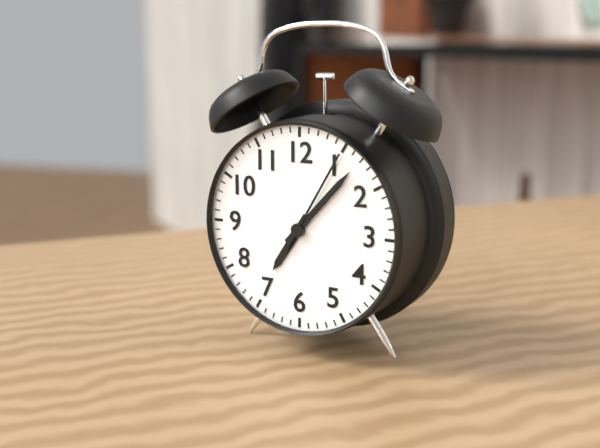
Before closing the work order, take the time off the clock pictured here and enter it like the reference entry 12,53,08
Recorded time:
7,07,05
